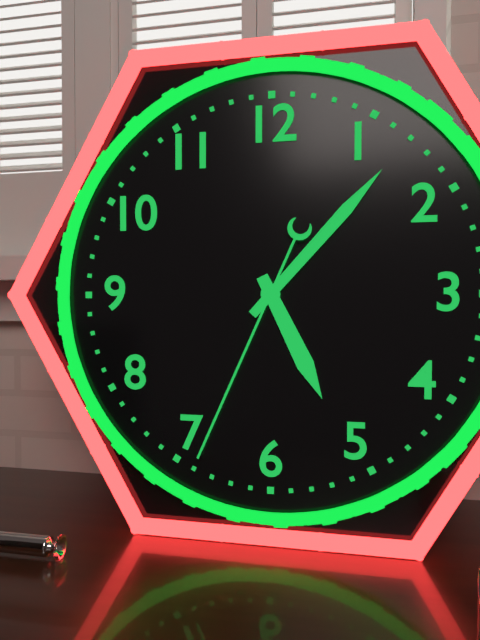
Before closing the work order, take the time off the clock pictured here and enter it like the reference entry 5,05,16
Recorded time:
5,07,34
